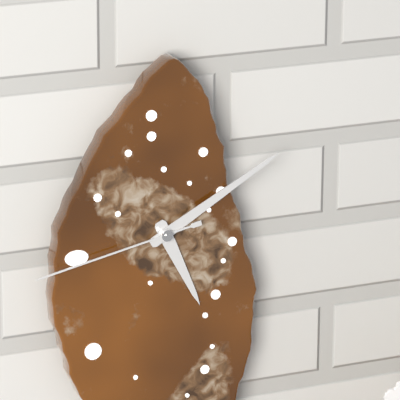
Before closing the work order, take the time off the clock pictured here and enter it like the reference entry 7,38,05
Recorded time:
5,10,43
